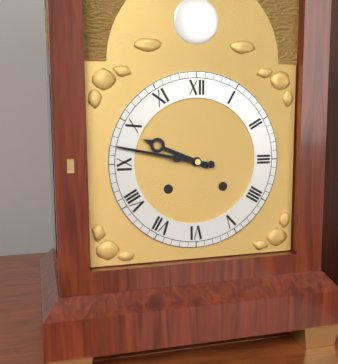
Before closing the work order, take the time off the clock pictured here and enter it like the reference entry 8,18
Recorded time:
9,47
